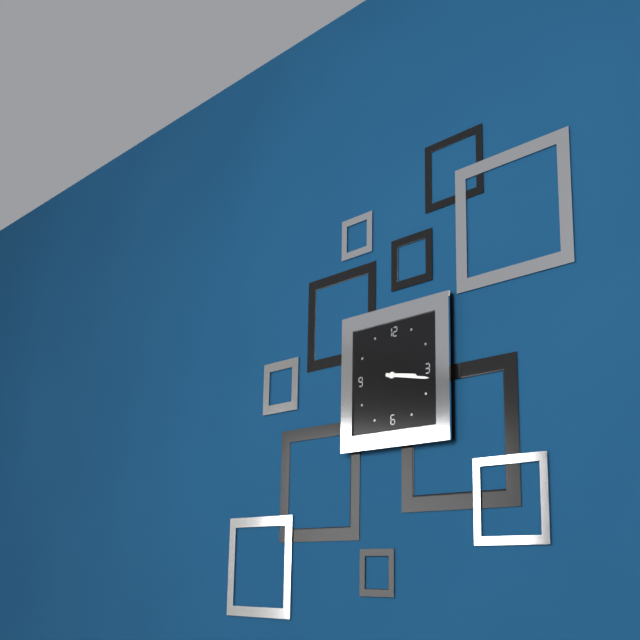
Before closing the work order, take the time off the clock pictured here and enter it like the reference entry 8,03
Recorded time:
3,17
